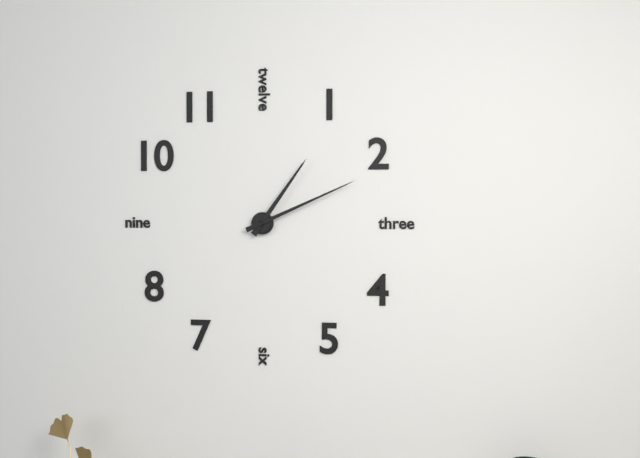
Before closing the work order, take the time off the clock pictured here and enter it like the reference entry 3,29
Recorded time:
1,11
